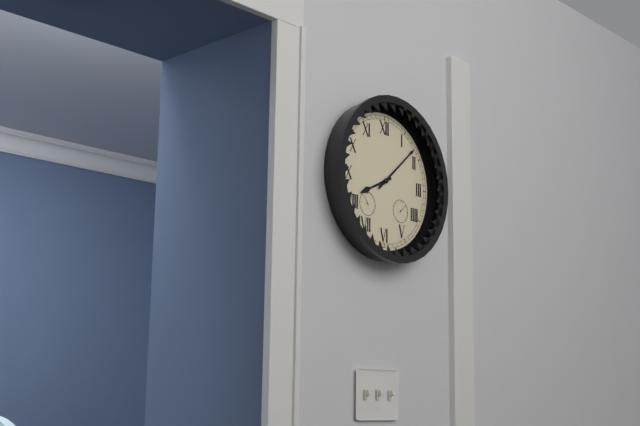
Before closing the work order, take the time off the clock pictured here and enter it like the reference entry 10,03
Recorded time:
8,08
